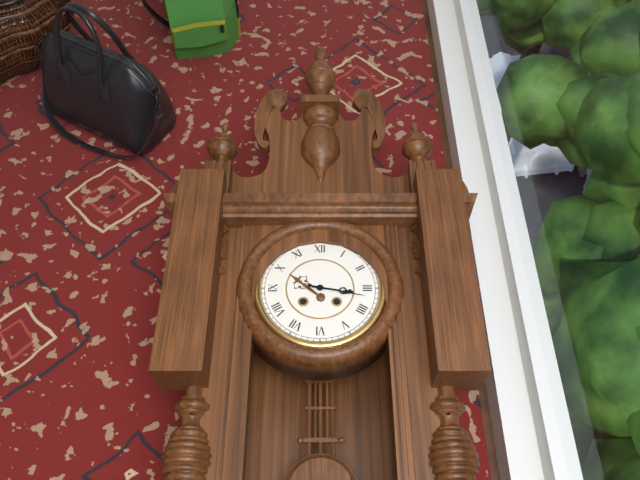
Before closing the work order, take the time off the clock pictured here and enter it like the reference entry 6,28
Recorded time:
3,17
